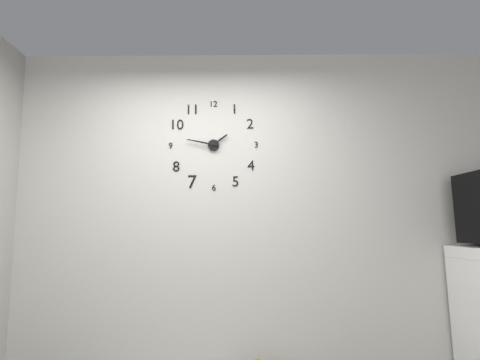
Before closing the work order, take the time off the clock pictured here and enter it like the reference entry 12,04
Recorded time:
1,47
